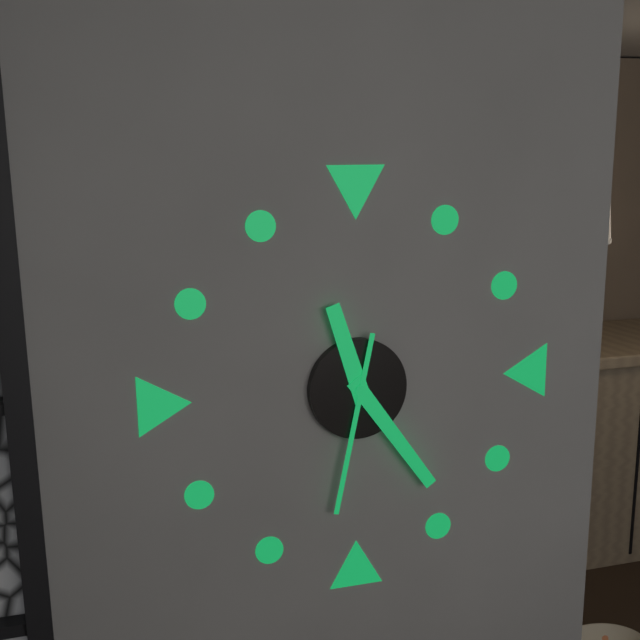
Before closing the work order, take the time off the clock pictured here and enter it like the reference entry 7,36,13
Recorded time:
11,24,32
